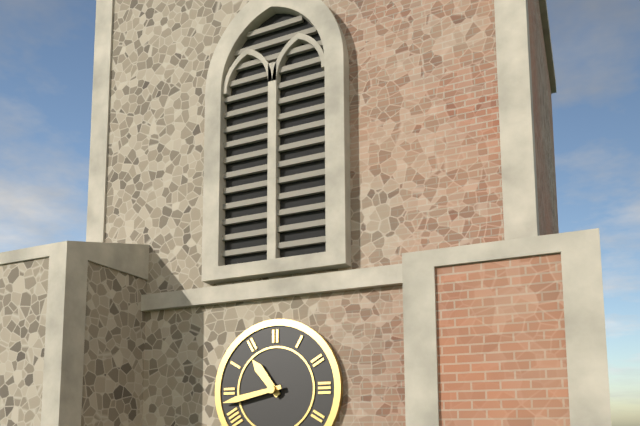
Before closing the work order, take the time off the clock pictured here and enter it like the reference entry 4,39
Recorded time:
10,43
